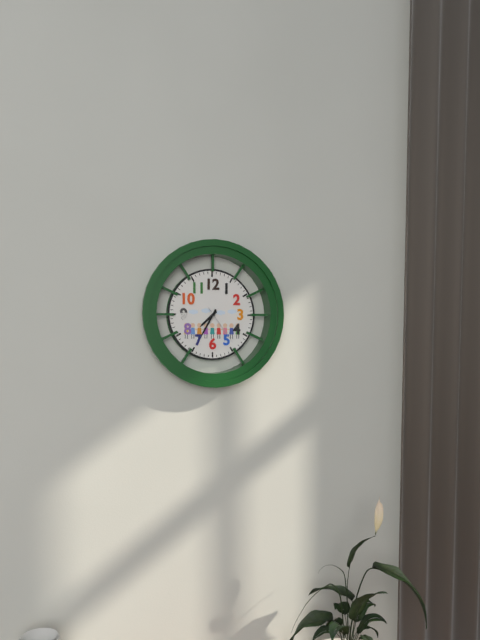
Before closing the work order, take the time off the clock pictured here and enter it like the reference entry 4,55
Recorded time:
7,35
